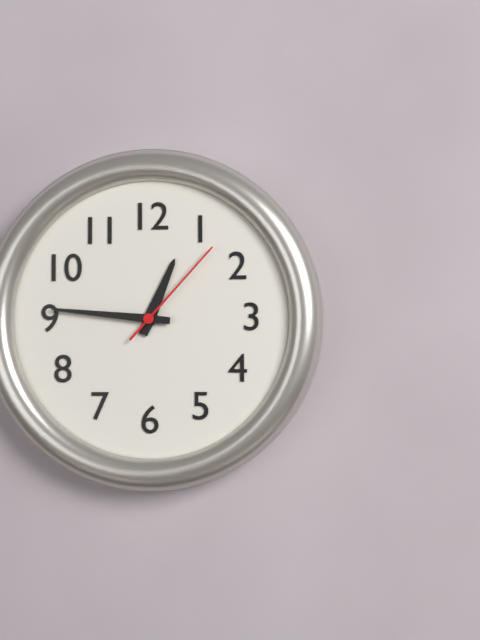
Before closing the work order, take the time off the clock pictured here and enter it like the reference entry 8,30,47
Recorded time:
12,46,07
